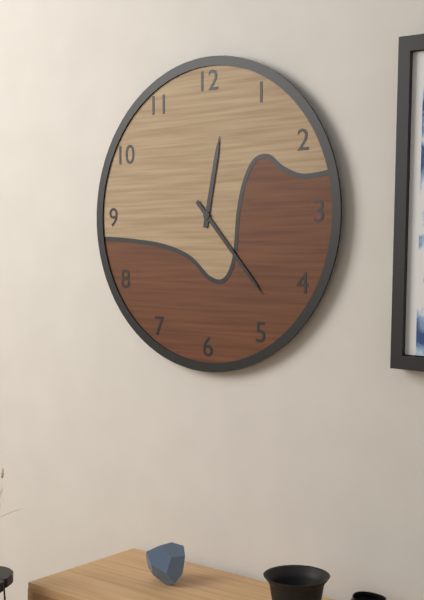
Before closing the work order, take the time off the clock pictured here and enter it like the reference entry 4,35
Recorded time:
12,23
